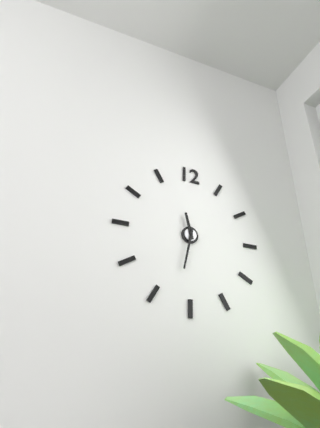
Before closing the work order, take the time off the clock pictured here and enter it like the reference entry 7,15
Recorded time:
11,32
